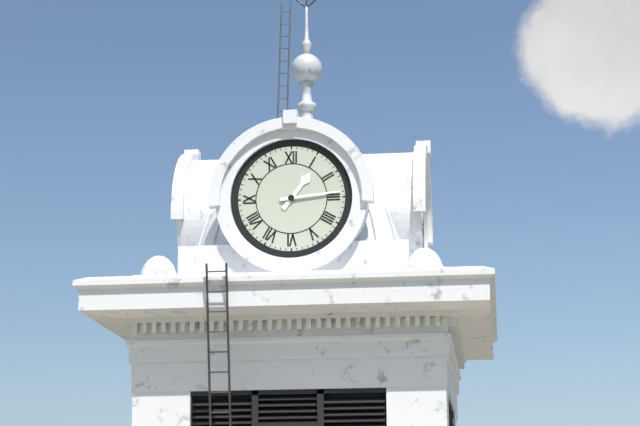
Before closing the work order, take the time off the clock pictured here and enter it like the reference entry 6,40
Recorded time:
1,14
